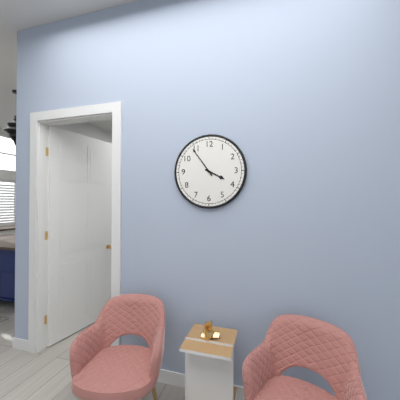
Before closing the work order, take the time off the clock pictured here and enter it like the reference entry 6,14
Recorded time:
3,54
